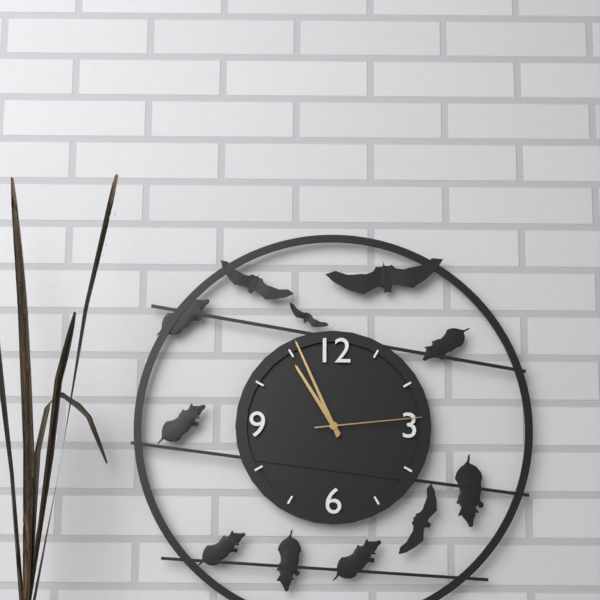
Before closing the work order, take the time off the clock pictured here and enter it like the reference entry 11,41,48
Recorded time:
10,56,14
